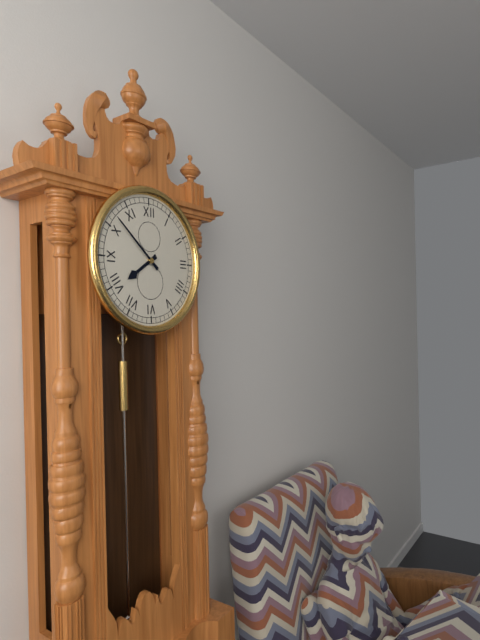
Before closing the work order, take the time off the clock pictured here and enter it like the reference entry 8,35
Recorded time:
7,52
